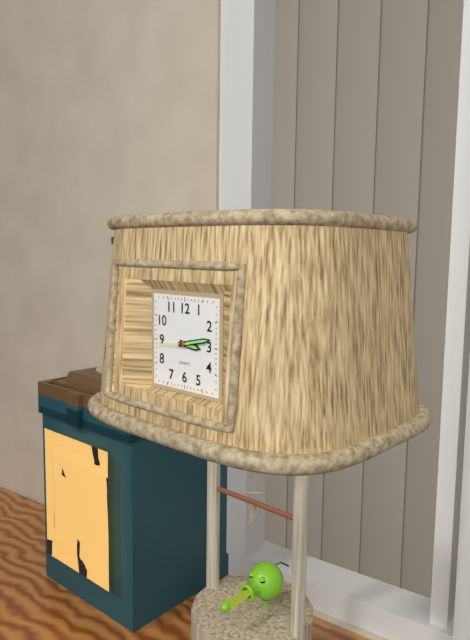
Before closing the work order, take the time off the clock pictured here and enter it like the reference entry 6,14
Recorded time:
3,13
